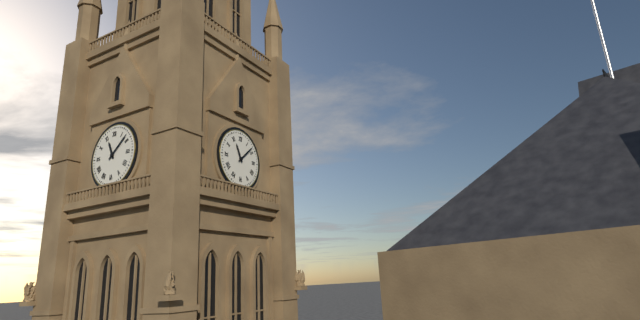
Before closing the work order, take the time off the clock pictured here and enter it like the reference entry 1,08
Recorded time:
11,08
